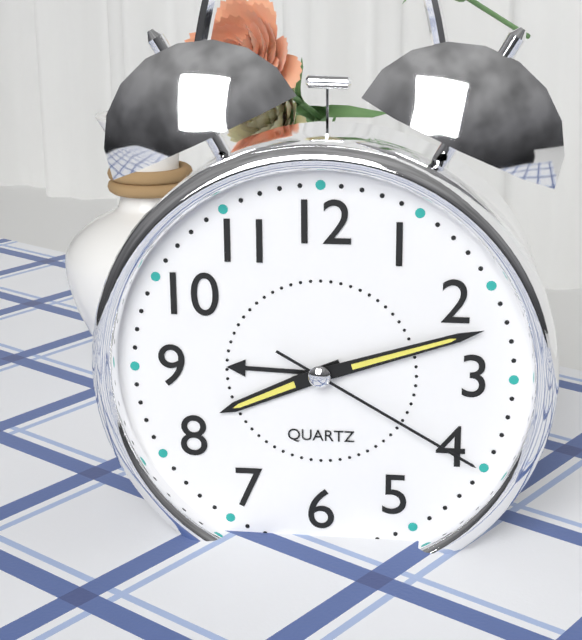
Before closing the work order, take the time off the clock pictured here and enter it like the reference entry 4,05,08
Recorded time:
8,12,20
